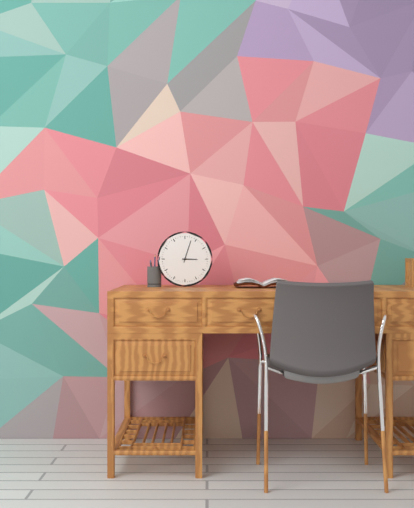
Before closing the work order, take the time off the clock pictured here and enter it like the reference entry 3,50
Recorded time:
3,03
